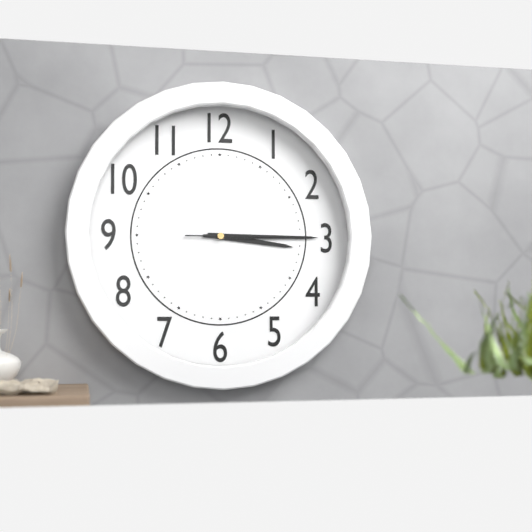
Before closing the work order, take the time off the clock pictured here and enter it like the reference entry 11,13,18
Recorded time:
3,15,15
